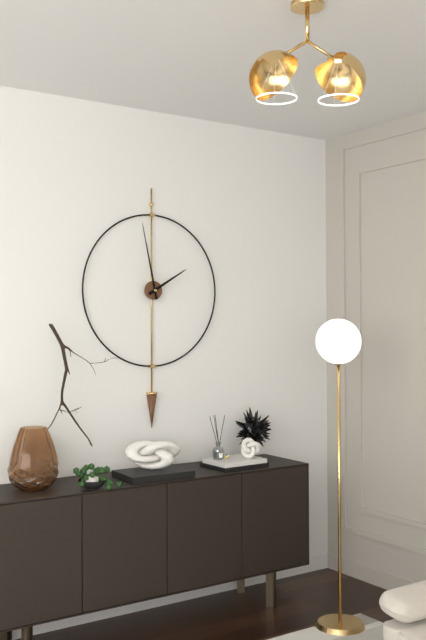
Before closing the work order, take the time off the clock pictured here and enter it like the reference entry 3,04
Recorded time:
1,58
